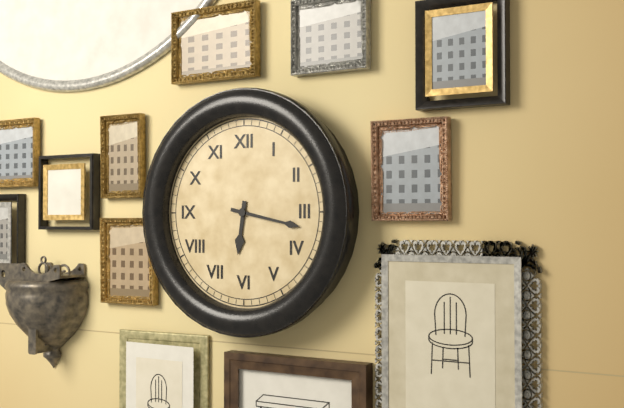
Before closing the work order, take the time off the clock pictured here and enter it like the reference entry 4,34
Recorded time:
6,17
